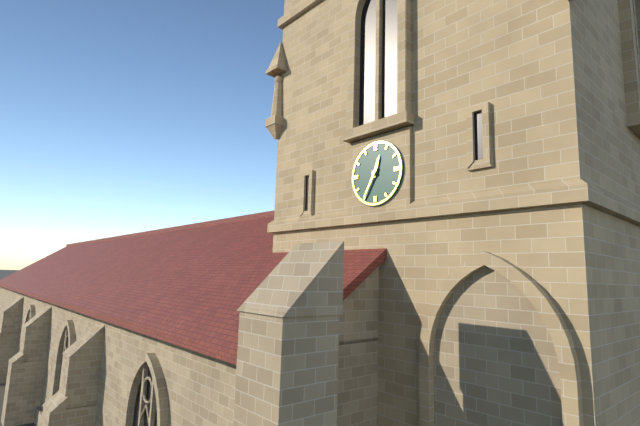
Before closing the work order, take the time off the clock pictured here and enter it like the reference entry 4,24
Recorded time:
12,35
